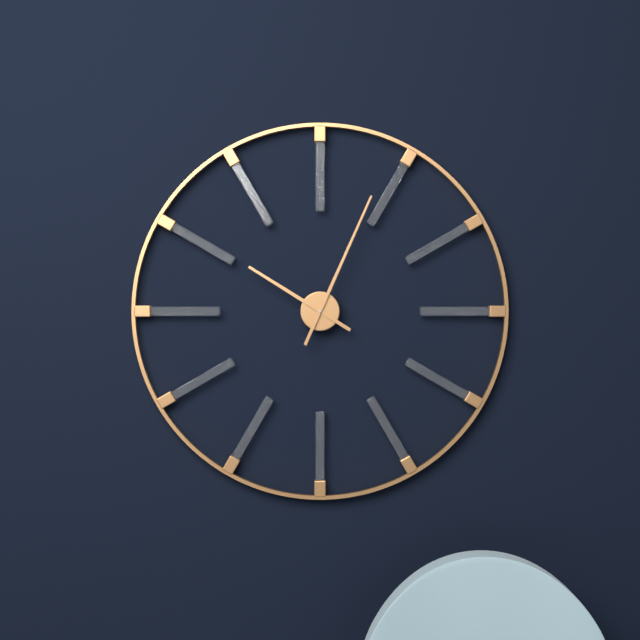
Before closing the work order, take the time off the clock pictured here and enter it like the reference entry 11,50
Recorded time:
10,04
